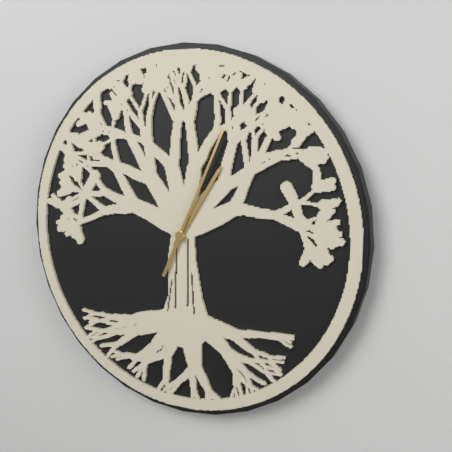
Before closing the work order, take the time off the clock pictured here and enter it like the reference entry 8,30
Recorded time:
1,04
